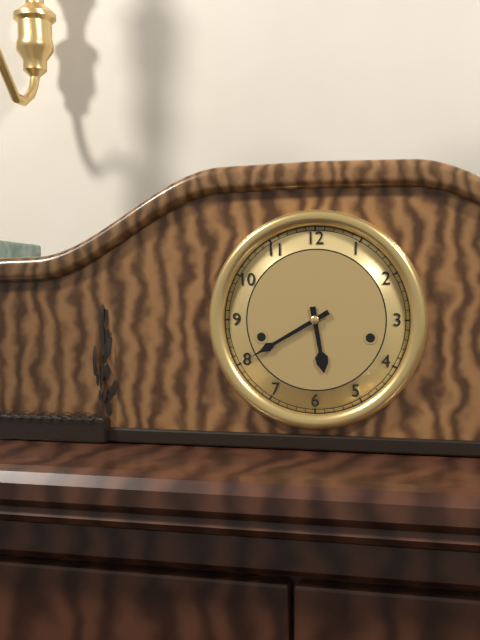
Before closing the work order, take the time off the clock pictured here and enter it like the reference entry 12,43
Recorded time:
5,40
